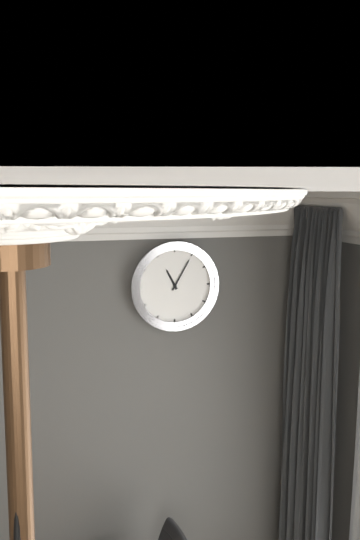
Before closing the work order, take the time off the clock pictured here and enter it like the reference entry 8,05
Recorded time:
11,05
